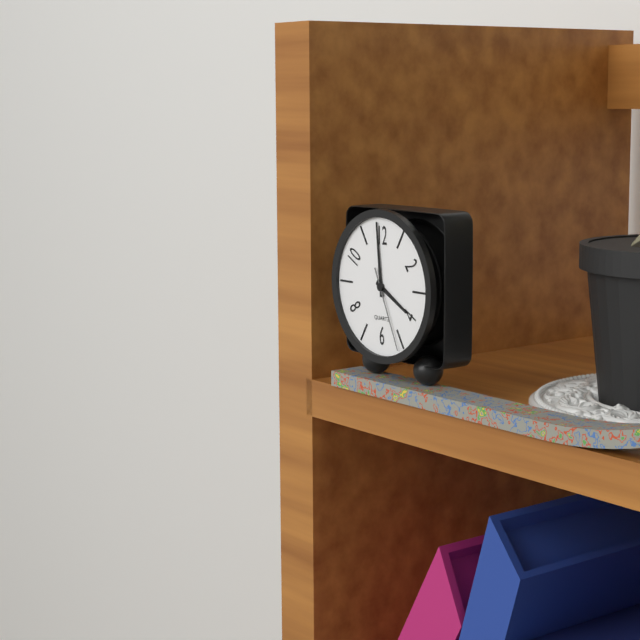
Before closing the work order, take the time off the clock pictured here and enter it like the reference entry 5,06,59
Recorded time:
3,59,26
